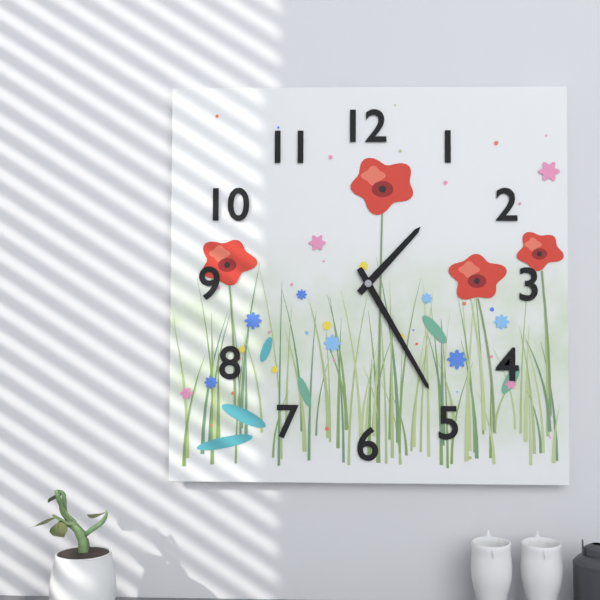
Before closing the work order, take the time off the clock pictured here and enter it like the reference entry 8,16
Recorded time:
1,25
